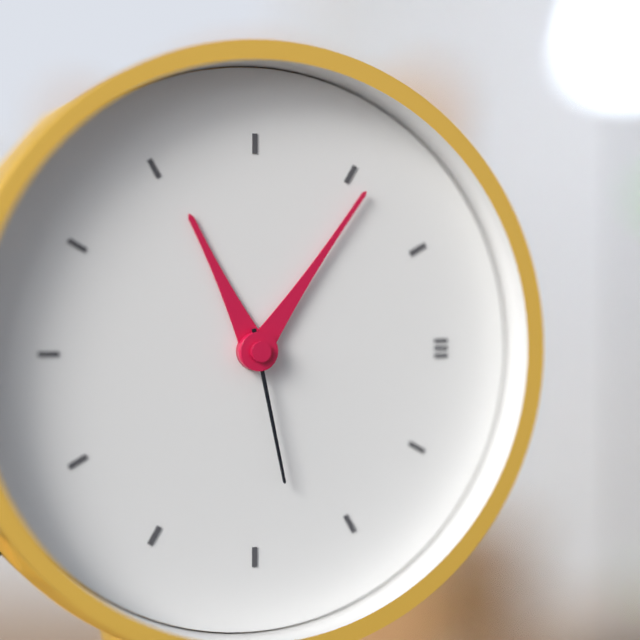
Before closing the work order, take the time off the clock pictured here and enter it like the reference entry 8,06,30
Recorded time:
11,06,28
